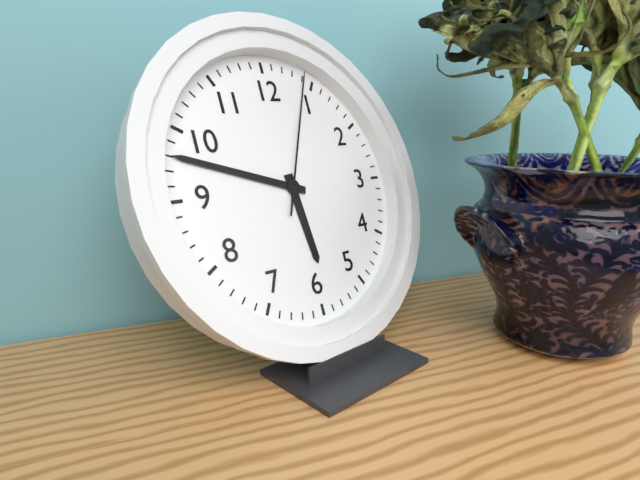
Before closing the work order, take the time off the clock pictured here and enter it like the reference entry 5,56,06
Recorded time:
5,48,04
